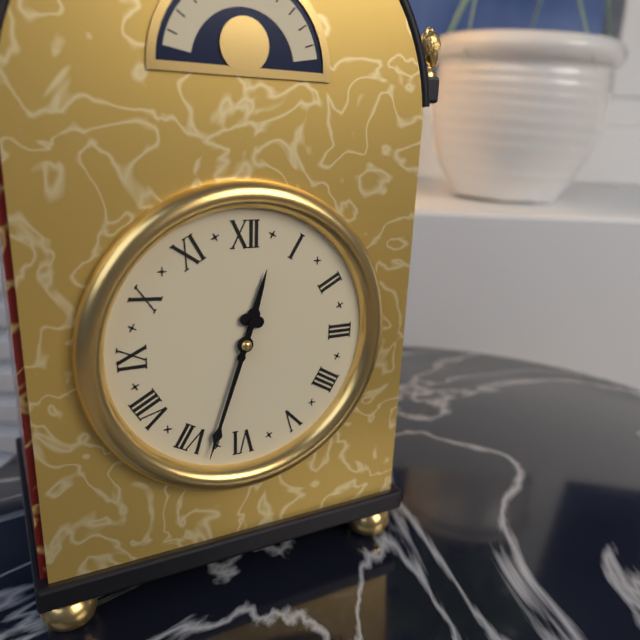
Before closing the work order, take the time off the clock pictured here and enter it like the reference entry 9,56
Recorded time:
12,33
